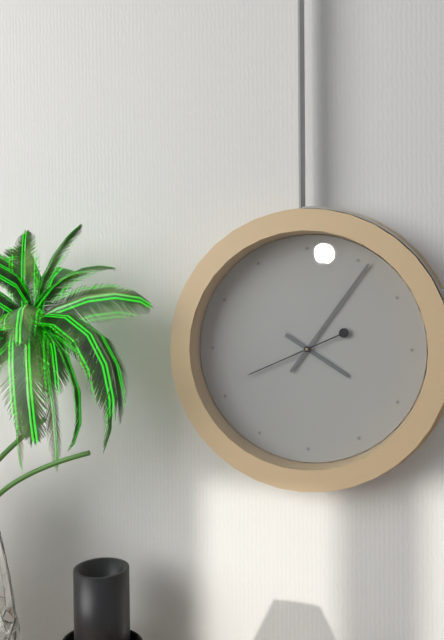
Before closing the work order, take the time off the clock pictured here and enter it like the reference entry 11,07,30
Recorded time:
4,06,41
